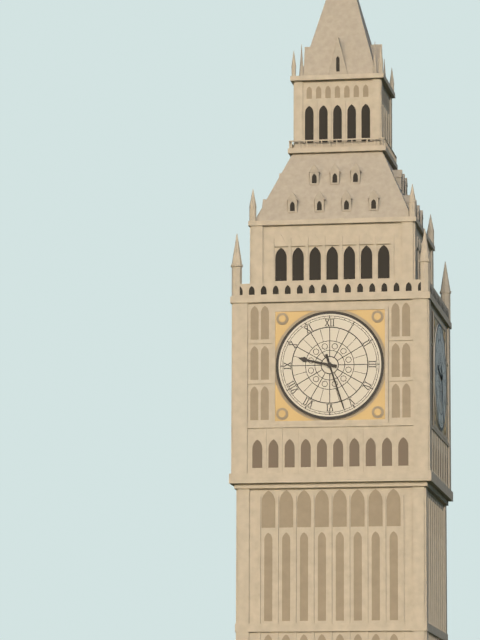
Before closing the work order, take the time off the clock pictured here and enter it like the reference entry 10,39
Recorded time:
9,27
